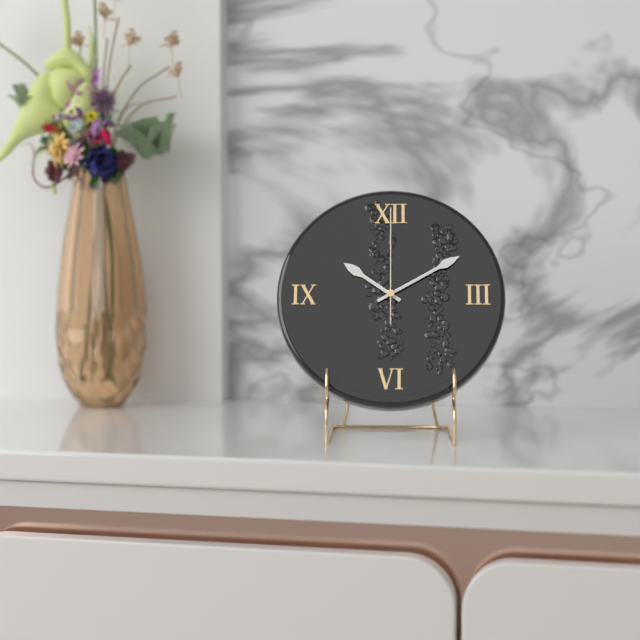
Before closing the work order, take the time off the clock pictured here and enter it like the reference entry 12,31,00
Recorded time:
10,10,00
